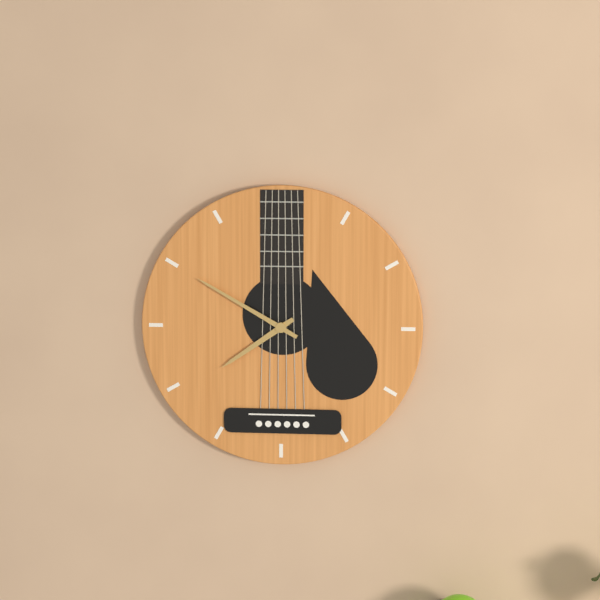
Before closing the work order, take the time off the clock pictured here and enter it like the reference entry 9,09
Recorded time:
7,50
